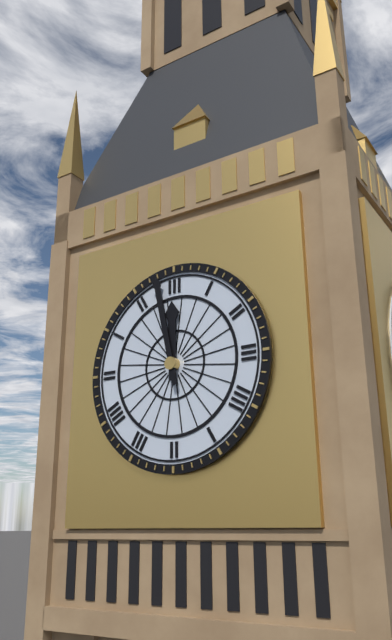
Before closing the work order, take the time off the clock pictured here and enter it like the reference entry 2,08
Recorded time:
11,58
